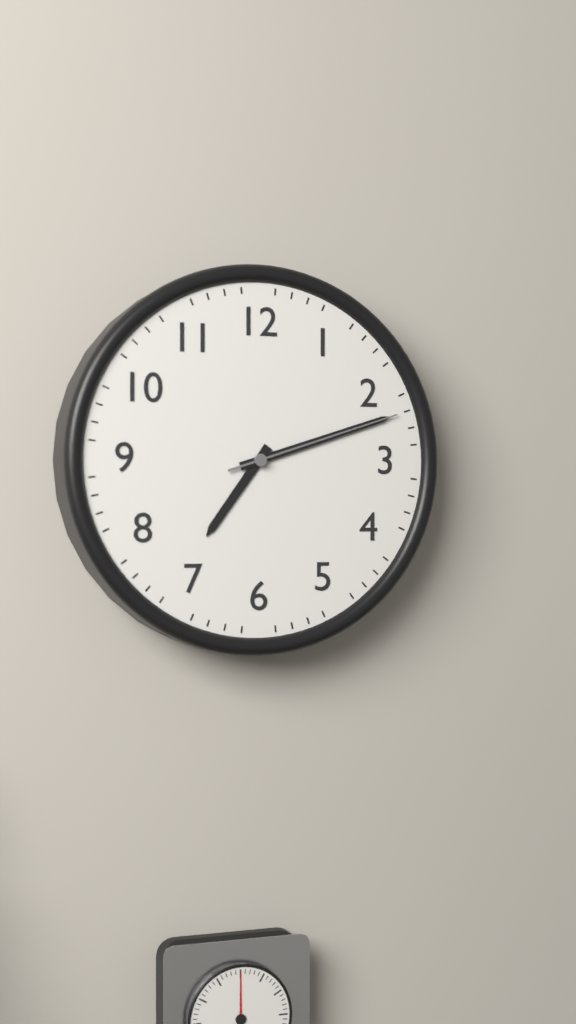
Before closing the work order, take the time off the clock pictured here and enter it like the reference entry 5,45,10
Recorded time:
7,12,12
